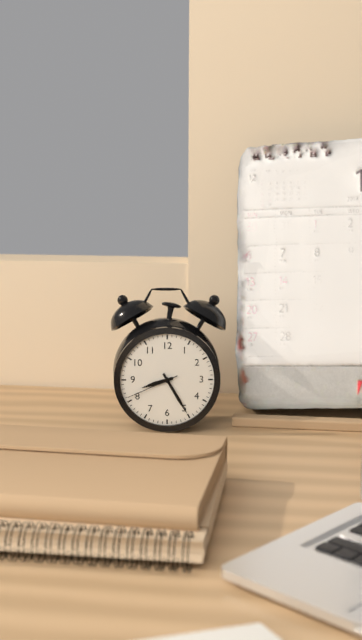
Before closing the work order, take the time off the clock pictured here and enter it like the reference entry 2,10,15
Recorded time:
8,25,41
